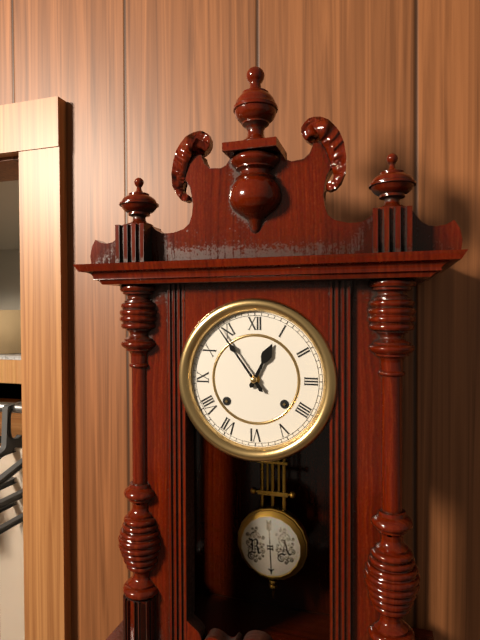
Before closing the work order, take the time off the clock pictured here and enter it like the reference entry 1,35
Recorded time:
12,54
